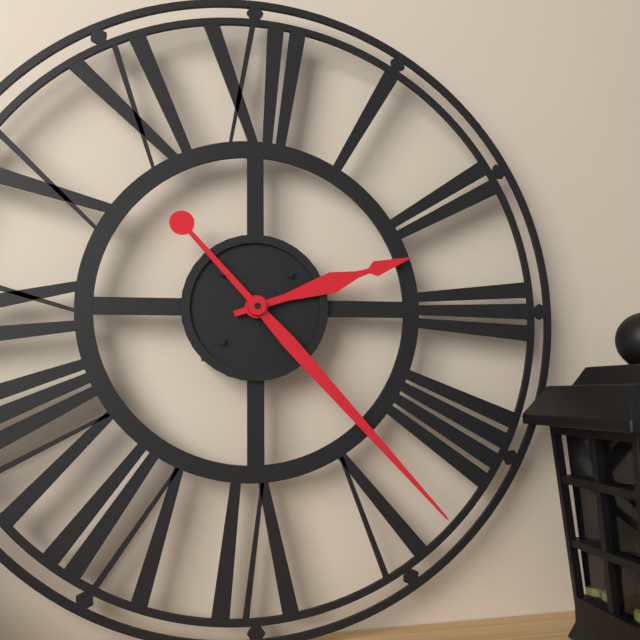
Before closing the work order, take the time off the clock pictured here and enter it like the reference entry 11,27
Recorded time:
2,23
